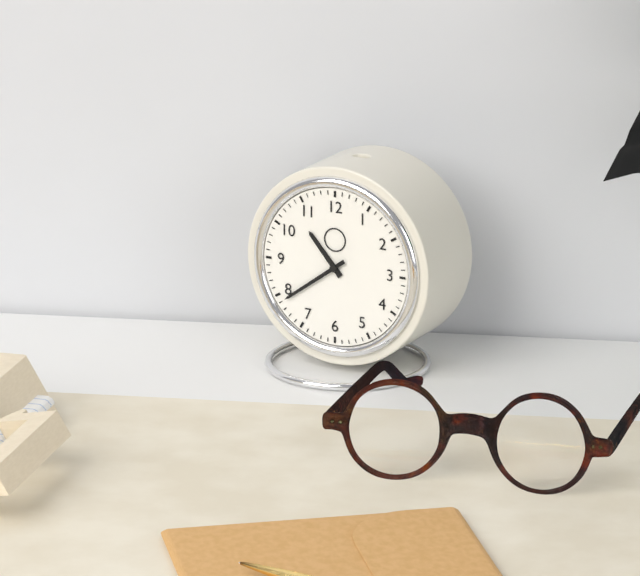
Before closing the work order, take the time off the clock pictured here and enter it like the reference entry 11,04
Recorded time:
10,39
